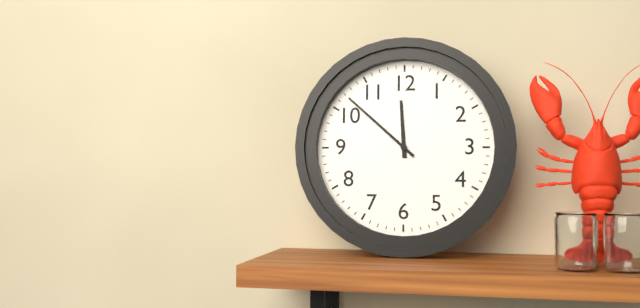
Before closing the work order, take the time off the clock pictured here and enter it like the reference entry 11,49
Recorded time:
11,52
